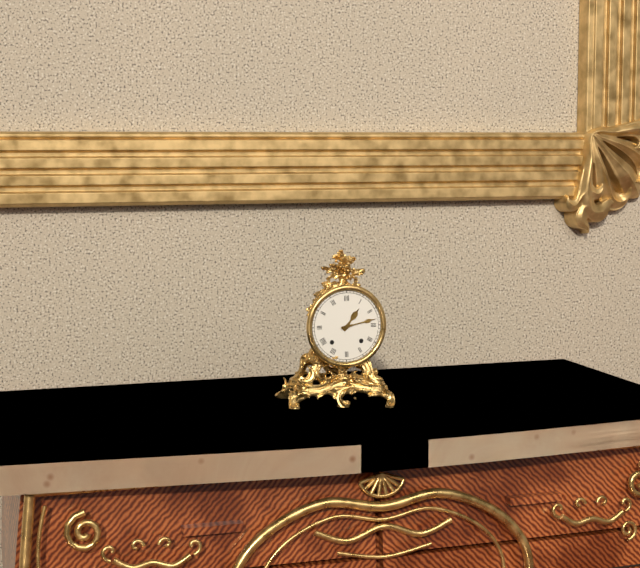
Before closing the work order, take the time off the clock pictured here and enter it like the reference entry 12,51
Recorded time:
1,13
